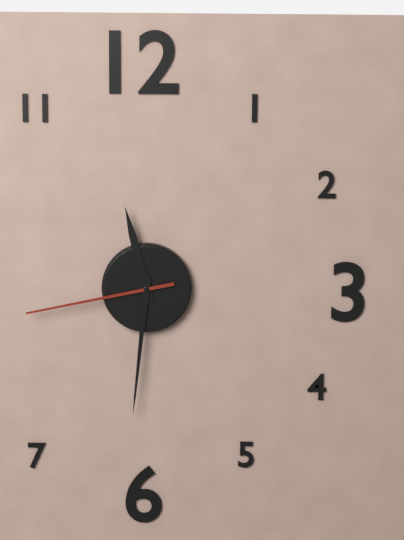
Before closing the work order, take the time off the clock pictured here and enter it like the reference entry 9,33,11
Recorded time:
11,31,43
